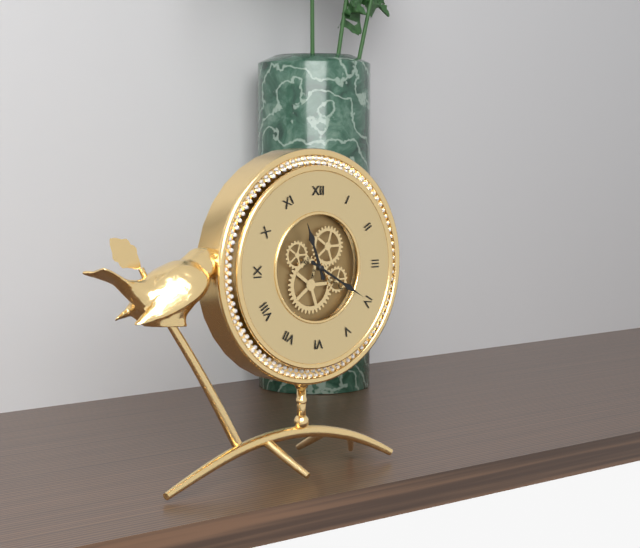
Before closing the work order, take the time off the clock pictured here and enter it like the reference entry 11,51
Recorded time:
11,20
